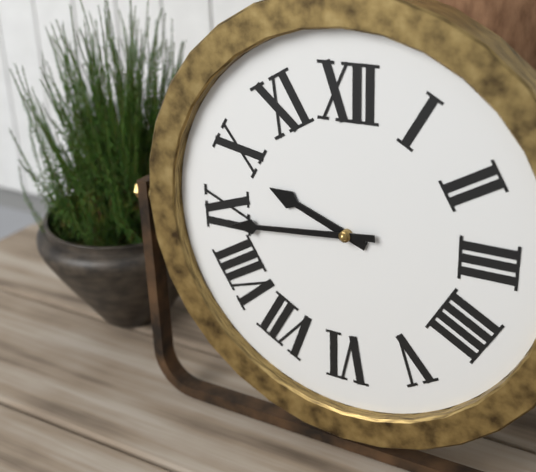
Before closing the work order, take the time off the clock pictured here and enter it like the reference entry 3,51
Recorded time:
9,44
